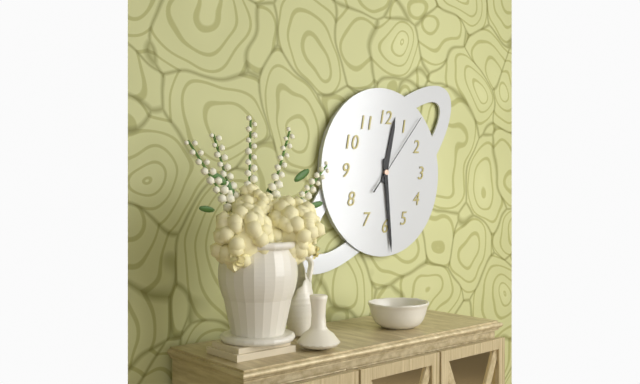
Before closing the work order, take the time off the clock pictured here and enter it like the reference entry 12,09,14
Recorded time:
12,29,07
